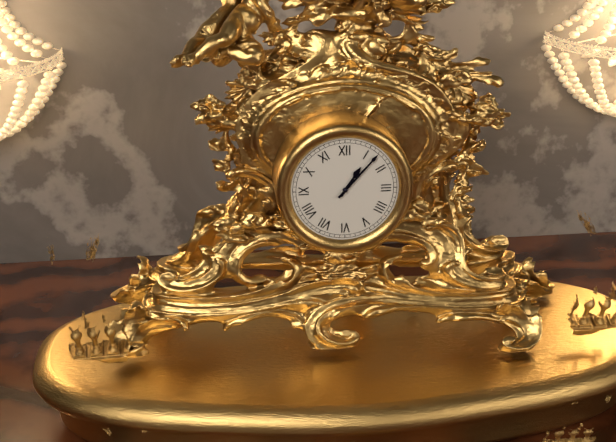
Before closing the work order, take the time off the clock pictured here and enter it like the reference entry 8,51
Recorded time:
1,07
